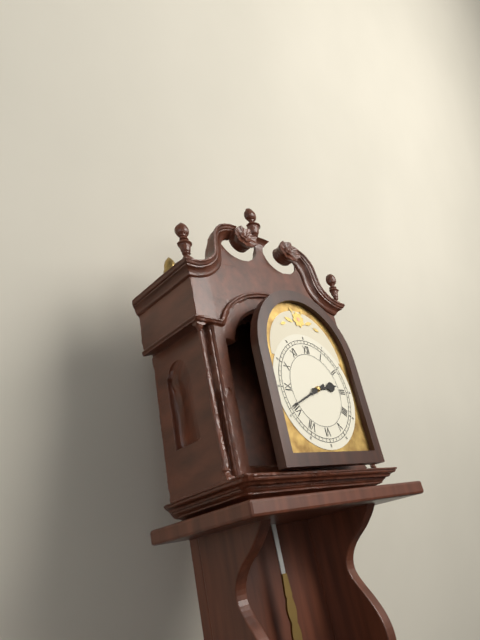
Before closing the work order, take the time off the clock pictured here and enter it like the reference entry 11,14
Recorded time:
2,41
